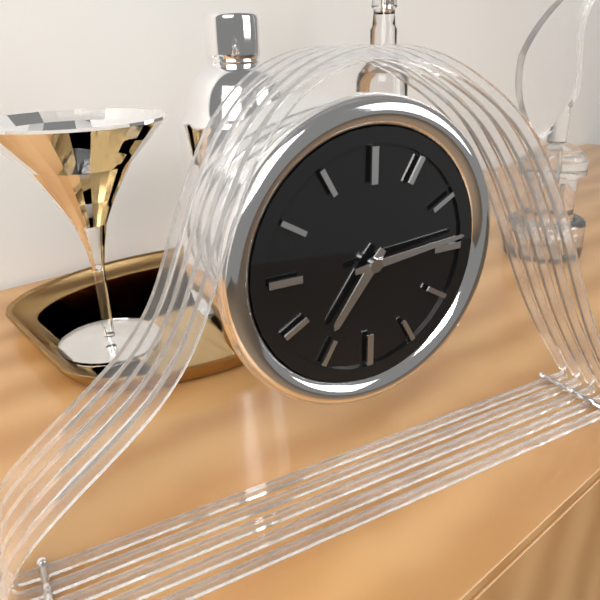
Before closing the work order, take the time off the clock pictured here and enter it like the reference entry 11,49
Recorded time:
7,14
